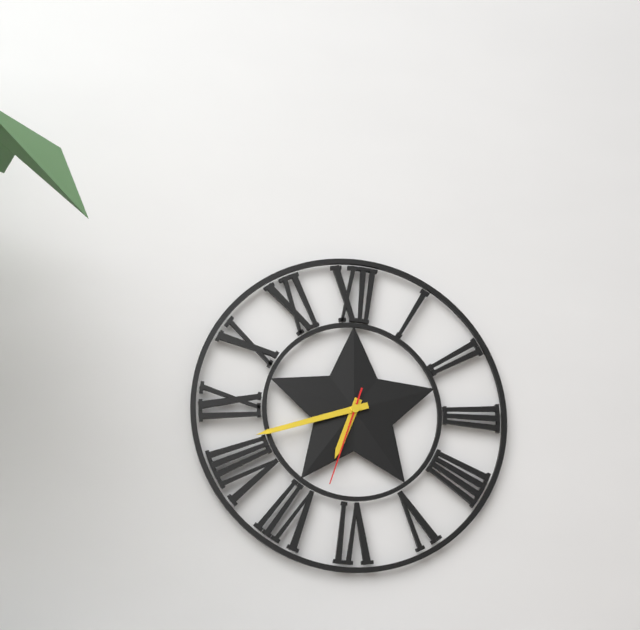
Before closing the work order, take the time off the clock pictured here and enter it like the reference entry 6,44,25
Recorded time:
6,42,33
